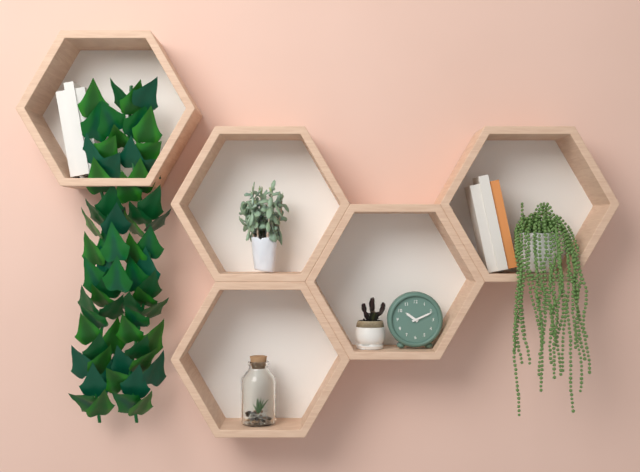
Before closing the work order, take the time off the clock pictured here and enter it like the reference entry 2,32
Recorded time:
10,11
